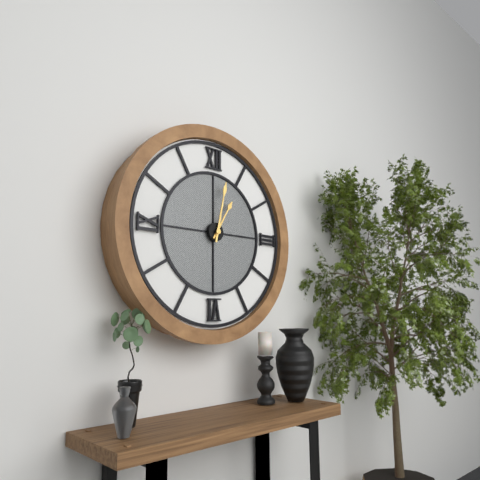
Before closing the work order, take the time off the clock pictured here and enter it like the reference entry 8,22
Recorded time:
1,02
